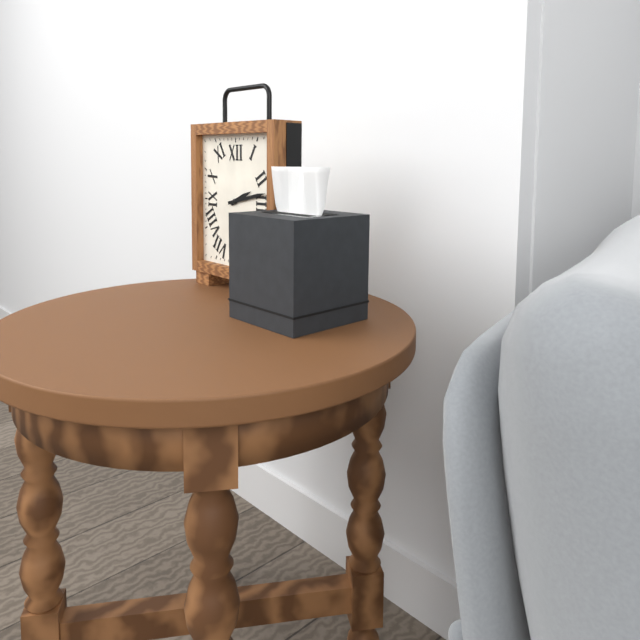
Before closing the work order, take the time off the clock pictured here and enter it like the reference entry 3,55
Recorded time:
2,13
